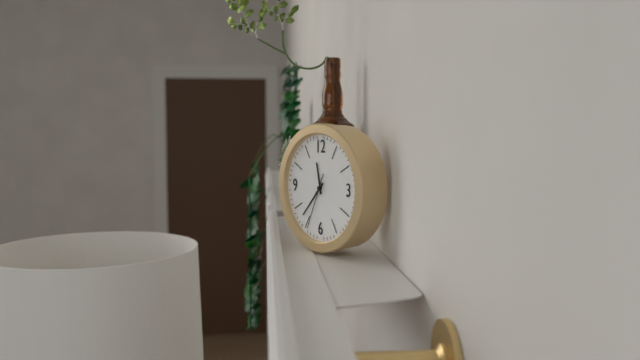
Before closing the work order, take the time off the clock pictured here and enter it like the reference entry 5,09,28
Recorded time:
11,37,34
